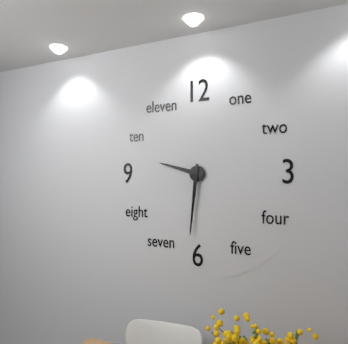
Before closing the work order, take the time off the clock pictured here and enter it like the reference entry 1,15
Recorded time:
9,31
